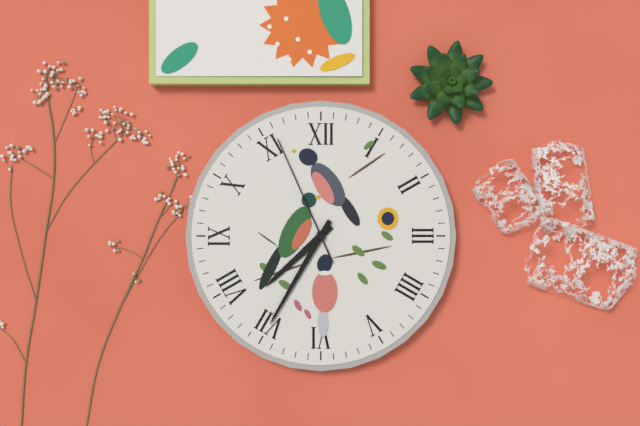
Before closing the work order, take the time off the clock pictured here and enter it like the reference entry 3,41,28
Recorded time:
7,35,56
